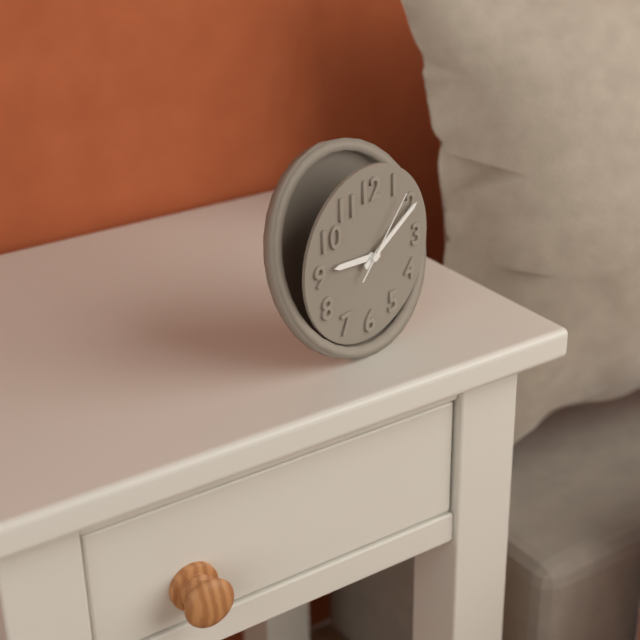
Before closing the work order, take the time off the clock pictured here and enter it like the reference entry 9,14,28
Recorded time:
9,10,07
